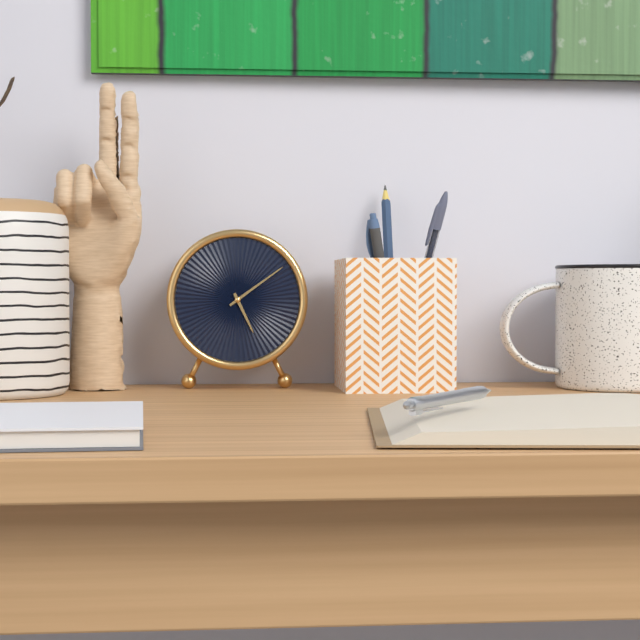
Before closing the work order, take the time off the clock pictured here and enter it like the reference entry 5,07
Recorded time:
5,09
